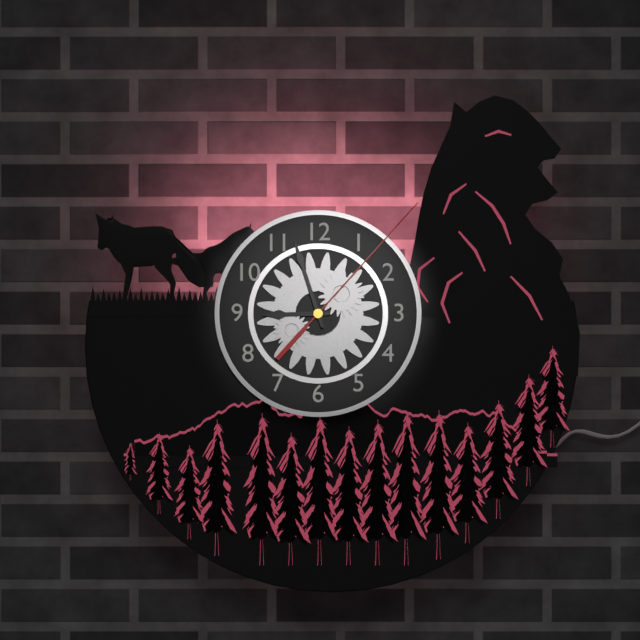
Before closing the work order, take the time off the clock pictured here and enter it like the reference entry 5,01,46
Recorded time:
8,57,07
